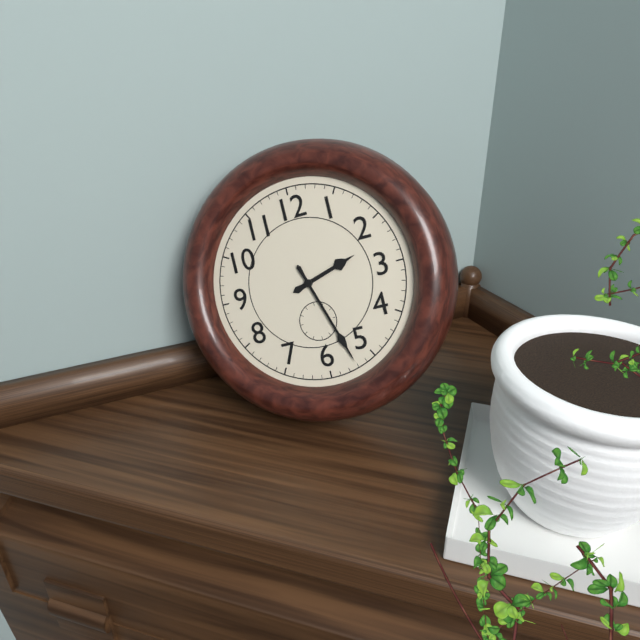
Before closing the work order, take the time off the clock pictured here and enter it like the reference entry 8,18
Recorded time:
2,27
